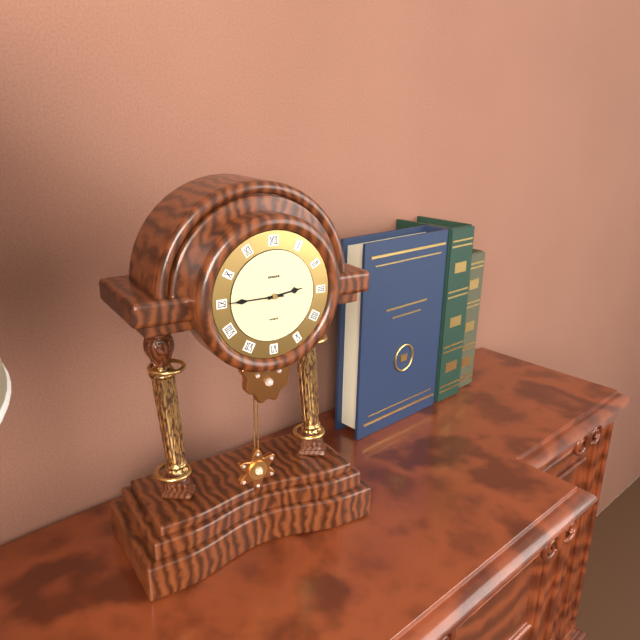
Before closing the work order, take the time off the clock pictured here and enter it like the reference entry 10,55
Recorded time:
2,45
